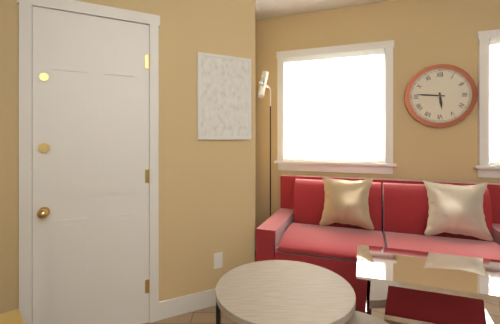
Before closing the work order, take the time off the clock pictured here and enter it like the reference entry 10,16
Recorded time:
5,46
